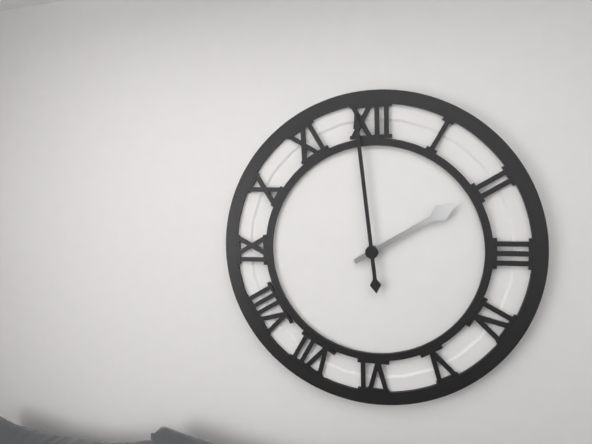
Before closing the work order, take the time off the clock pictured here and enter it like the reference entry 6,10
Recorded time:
1,59
